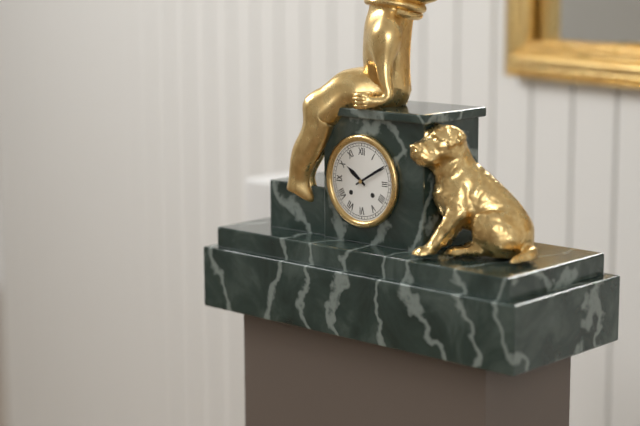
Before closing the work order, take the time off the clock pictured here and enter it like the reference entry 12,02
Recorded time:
10,10
